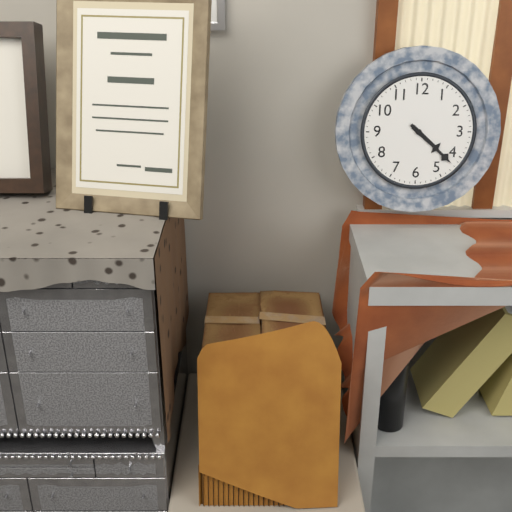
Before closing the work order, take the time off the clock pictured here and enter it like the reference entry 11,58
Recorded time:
4,22
